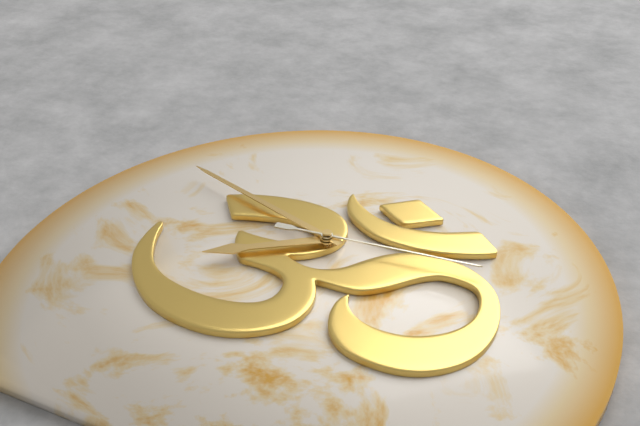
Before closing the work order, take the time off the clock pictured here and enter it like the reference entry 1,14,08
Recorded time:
7,48,14
